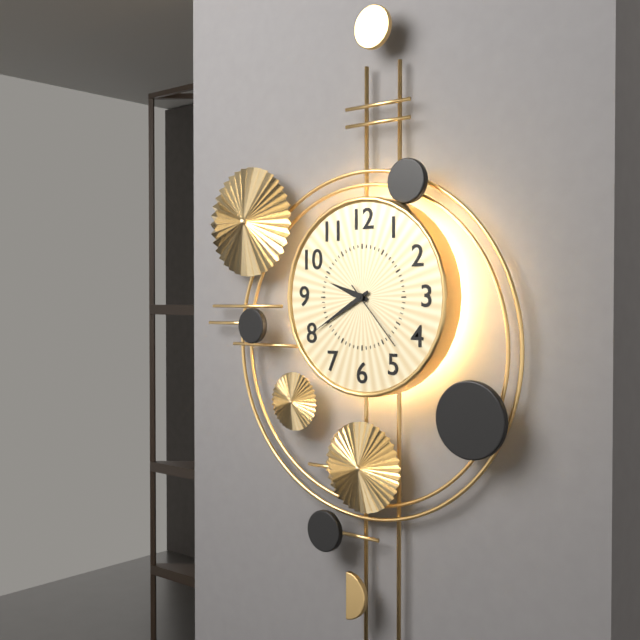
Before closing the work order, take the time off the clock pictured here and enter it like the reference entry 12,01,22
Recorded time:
9,40,23
